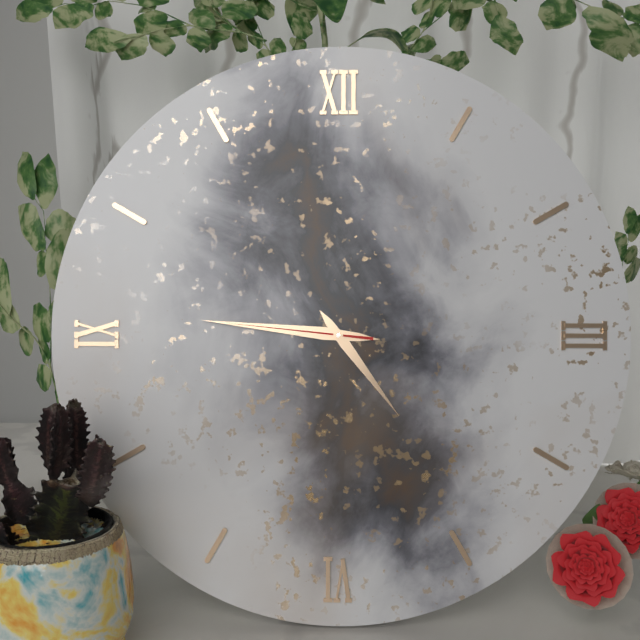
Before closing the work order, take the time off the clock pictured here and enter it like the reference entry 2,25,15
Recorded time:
4,46,46
